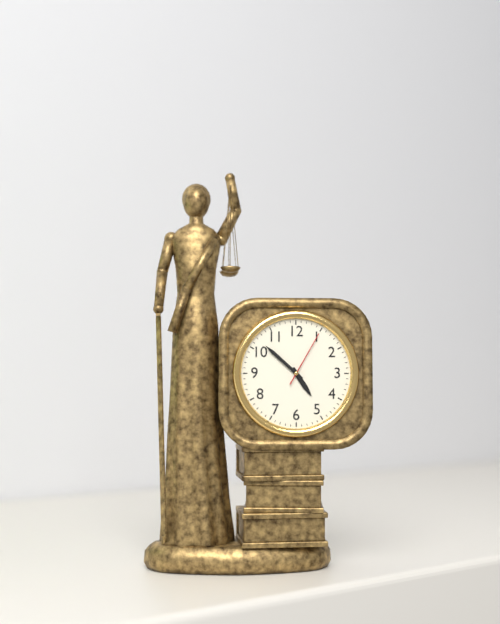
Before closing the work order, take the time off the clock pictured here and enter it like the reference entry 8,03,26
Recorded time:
4,52,05
